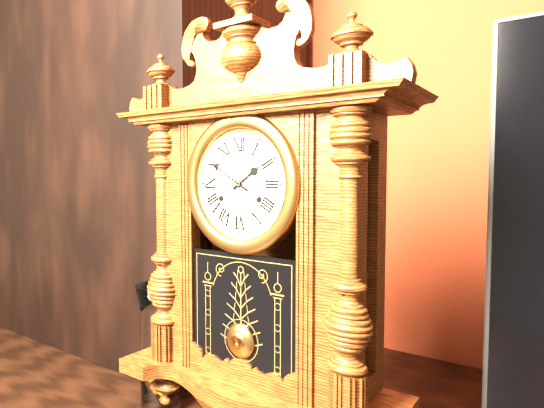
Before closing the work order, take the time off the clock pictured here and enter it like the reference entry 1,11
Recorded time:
1,50
